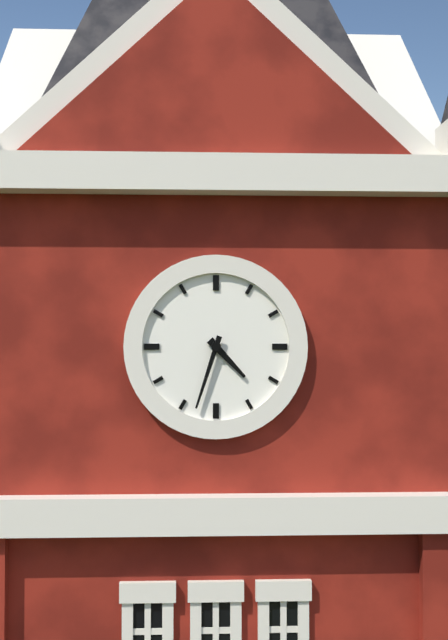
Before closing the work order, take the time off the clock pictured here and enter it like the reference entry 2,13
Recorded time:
4,33
